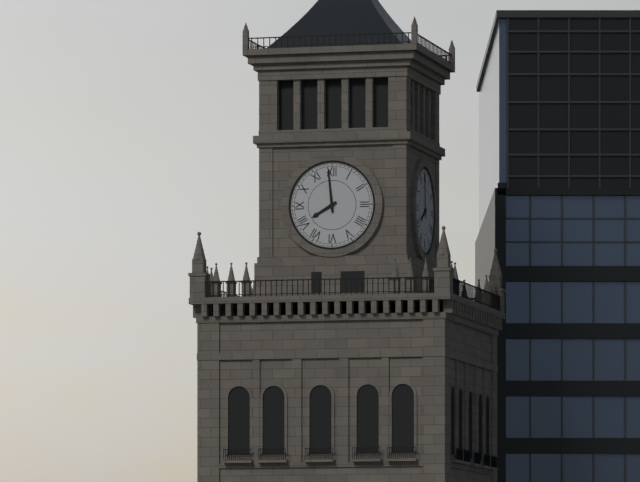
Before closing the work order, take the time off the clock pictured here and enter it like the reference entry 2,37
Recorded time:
7,59
